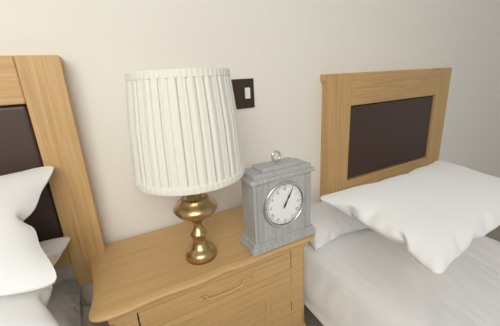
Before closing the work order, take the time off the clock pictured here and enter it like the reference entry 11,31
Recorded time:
1,05
